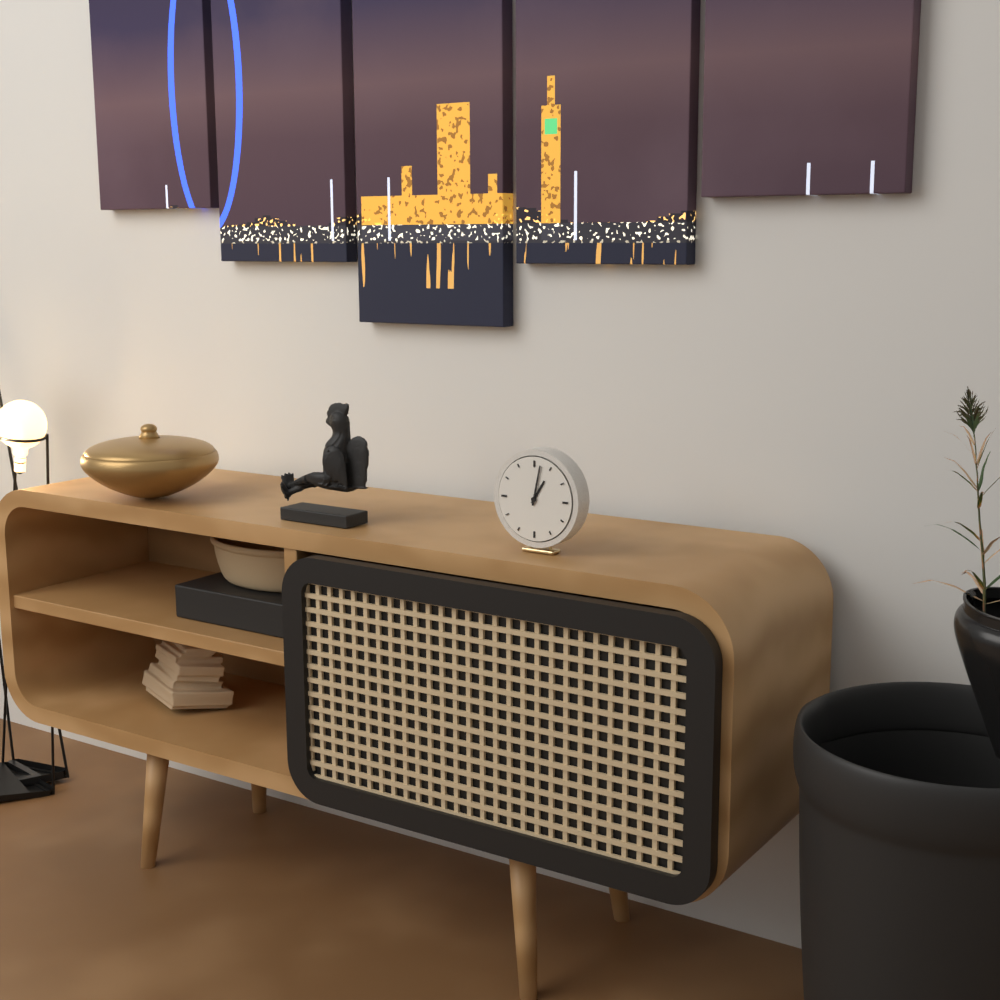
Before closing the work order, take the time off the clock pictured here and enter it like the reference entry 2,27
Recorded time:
1,02
